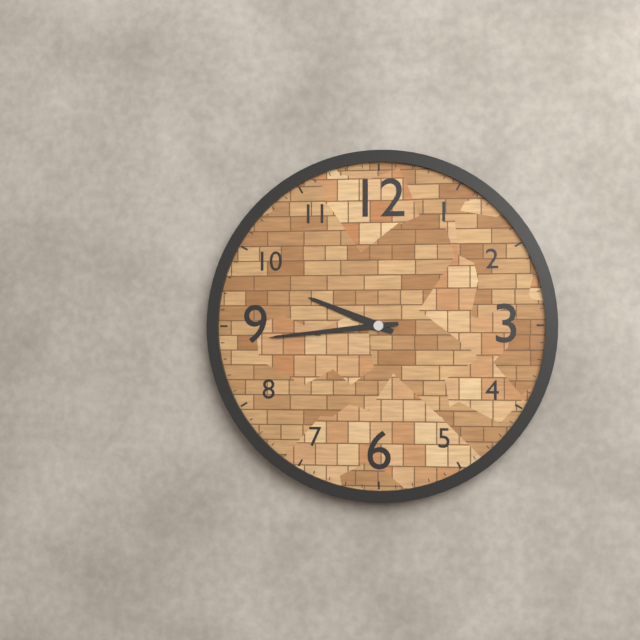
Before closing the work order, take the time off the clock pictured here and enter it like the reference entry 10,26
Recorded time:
9,44
